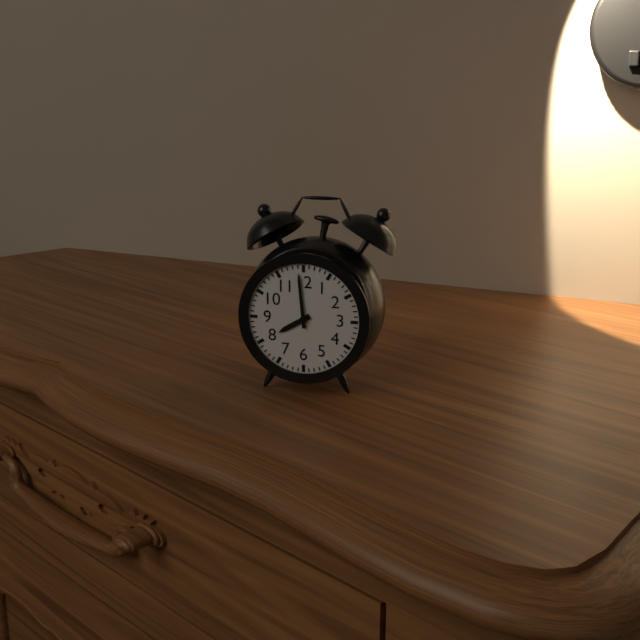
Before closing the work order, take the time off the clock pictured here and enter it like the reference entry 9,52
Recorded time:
7,59
